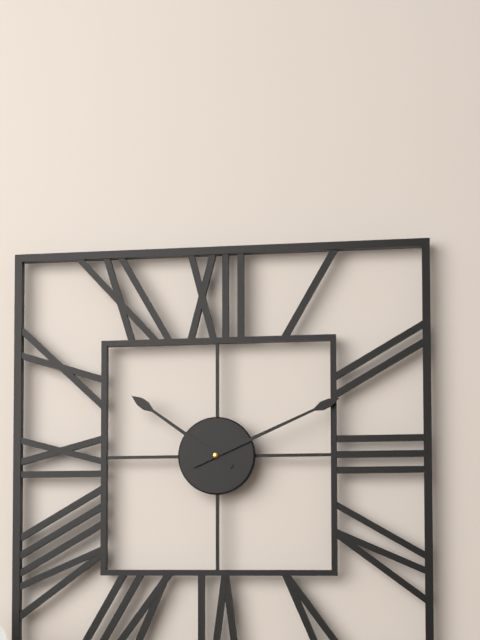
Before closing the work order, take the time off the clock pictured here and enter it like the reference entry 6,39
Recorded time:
10,11
